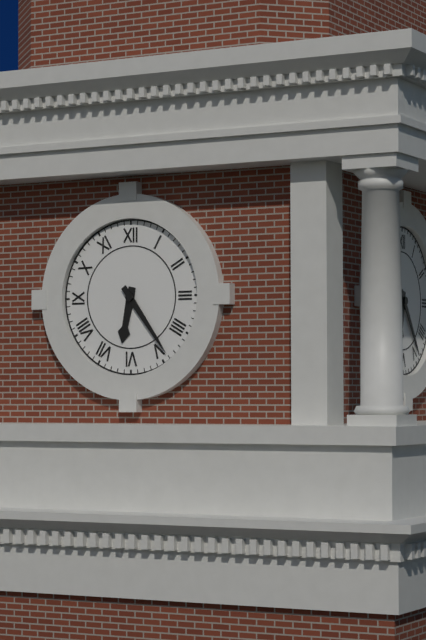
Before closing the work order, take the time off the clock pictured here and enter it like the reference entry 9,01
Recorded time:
6,24
